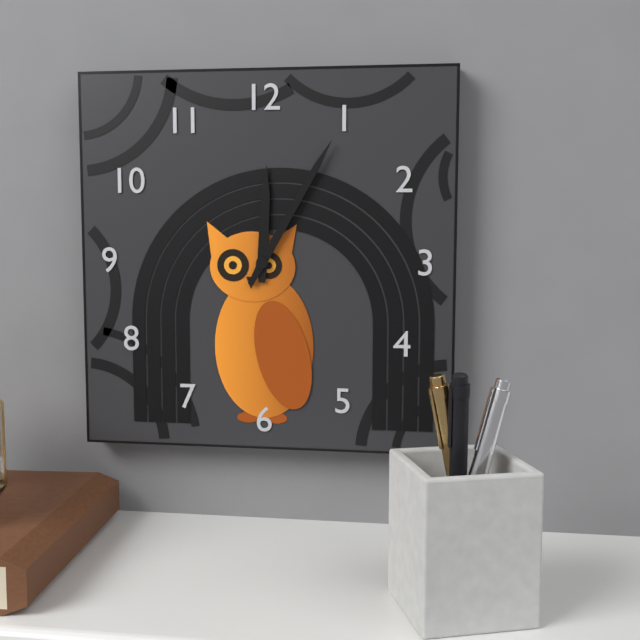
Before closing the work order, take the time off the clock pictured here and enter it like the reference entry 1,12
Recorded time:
12,05
